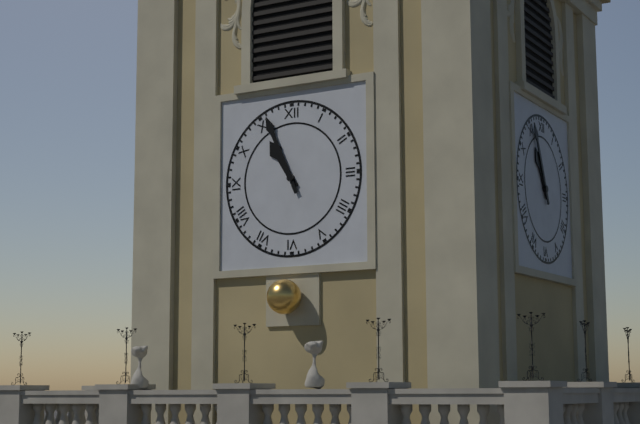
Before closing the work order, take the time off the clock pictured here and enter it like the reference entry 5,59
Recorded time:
10,56
